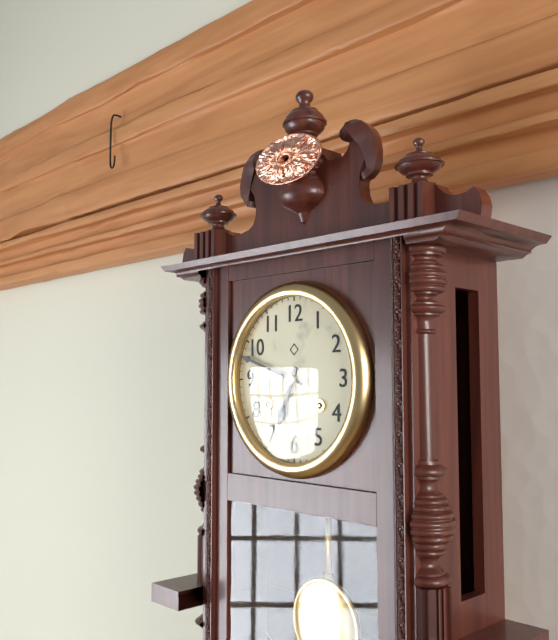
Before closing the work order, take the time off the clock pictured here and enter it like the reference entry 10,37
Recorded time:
6,48
